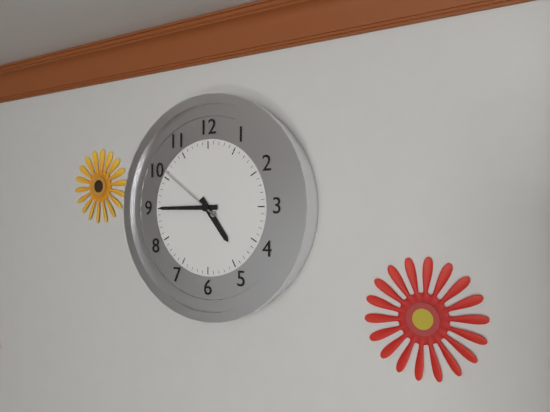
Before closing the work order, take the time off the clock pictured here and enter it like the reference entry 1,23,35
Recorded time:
4,45,51
